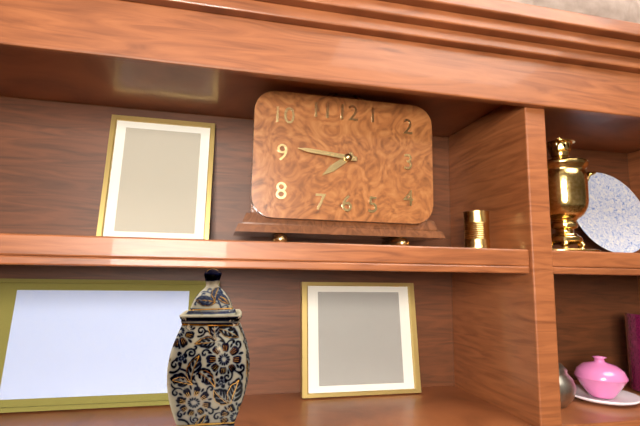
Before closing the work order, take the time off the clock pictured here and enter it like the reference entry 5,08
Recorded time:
7,46
